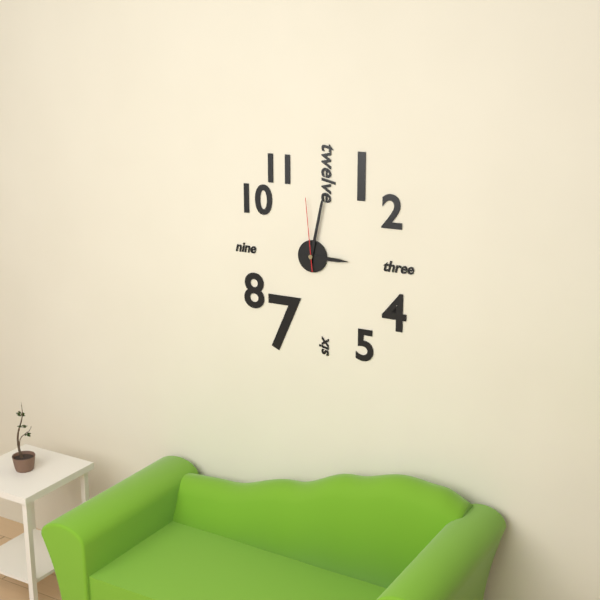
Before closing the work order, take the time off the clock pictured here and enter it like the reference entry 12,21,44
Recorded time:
3,02,59
